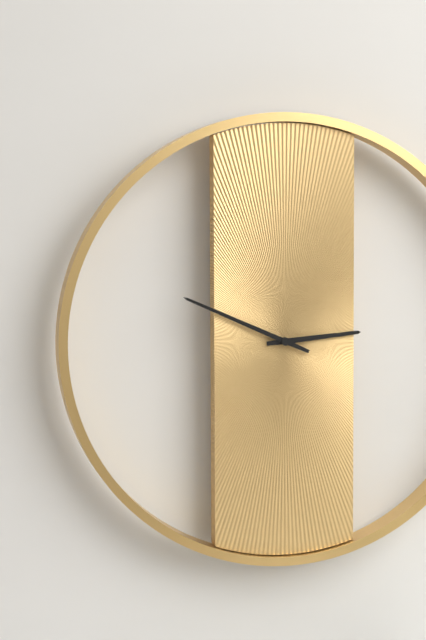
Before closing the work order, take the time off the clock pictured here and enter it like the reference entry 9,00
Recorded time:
2,49
